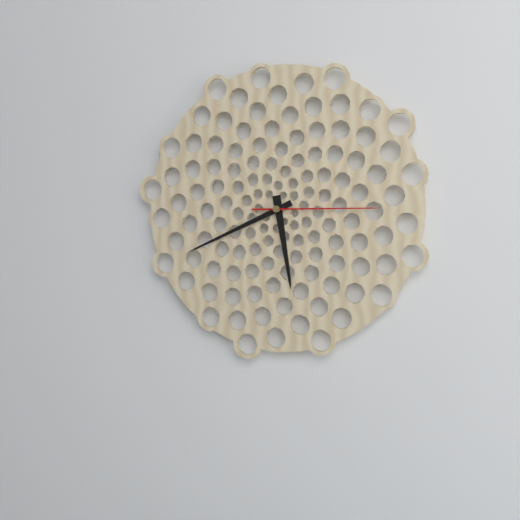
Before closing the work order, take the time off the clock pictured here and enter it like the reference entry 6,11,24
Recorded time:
5,41,15
